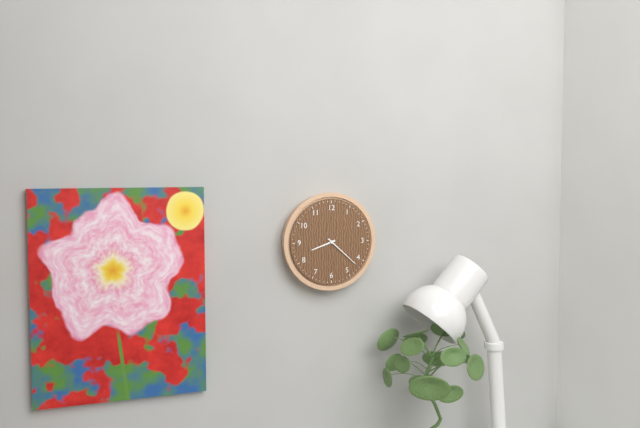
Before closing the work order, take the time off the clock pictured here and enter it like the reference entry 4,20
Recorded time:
8,22
